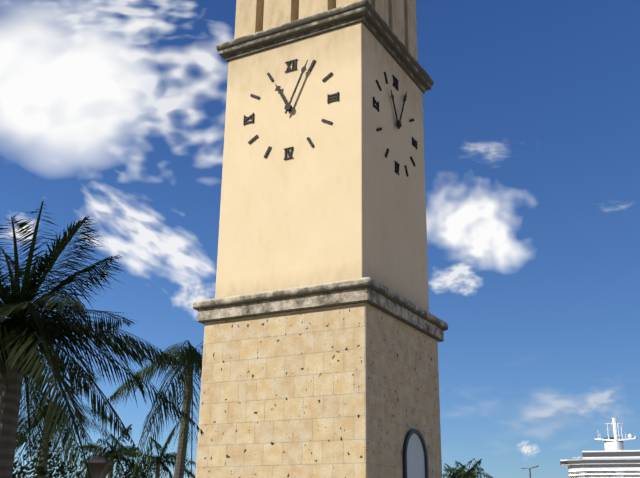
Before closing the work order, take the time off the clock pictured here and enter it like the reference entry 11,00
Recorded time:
11,04
